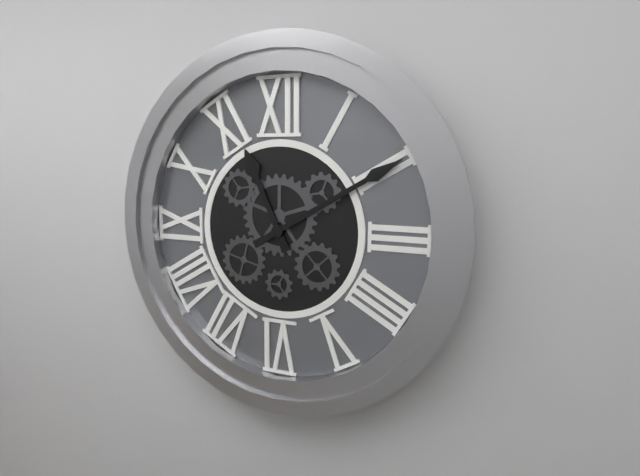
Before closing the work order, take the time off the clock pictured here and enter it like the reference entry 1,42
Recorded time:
11,10
